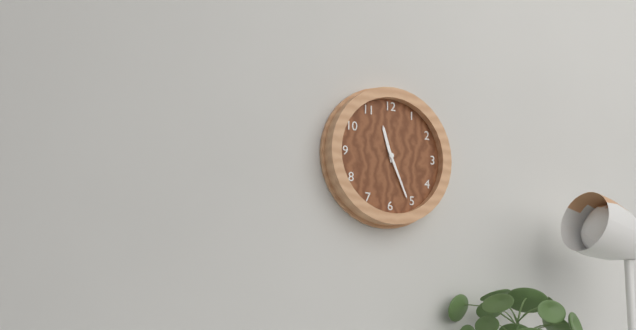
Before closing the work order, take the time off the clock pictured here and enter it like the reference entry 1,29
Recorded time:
11,26
